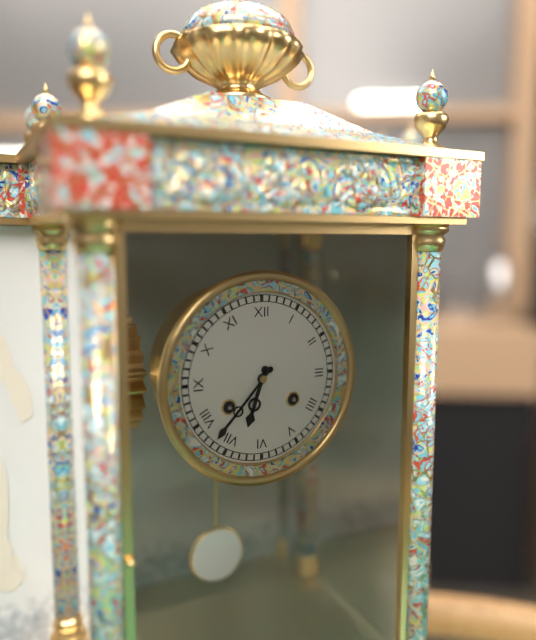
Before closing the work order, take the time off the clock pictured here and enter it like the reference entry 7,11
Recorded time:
6,37
